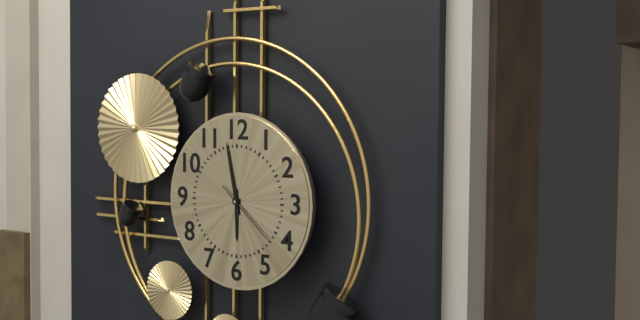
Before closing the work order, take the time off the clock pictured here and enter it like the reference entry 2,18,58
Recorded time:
5,58,22
